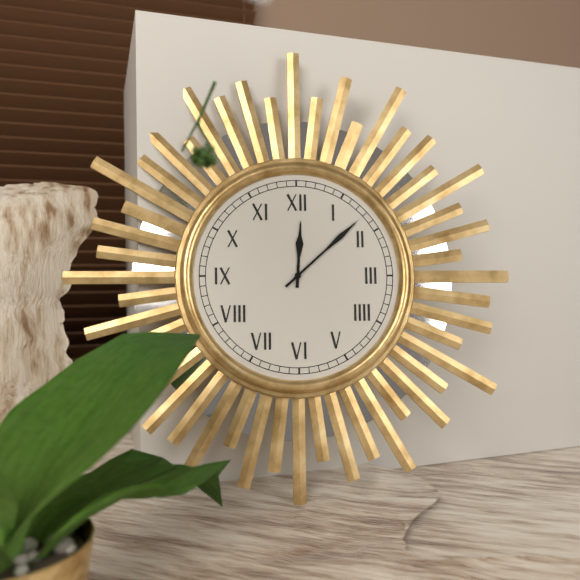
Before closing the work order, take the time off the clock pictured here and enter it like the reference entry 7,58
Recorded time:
12,08
